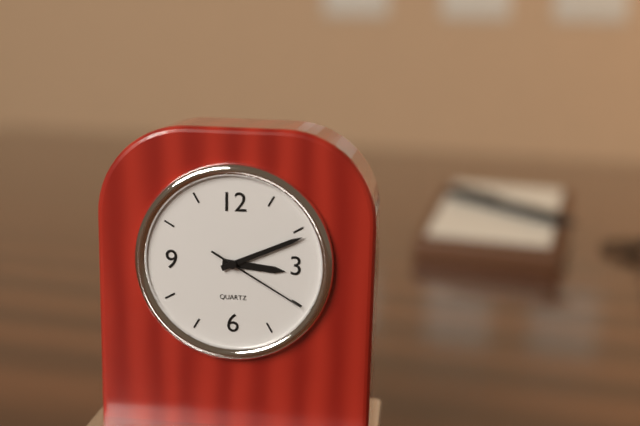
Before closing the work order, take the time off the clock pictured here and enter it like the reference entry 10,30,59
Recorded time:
3,11,20
